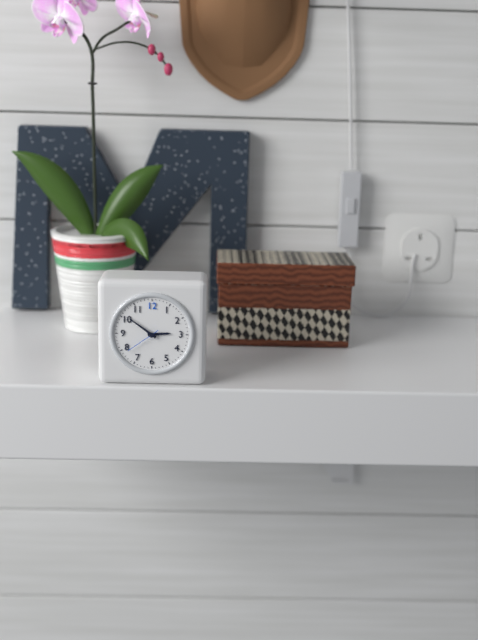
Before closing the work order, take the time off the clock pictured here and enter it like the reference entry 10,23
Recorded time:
2,51
